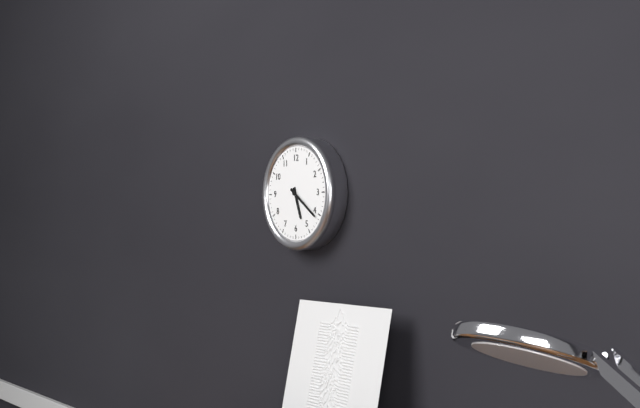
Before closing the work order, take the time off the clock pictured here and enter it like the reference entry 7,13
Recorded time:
5,21
